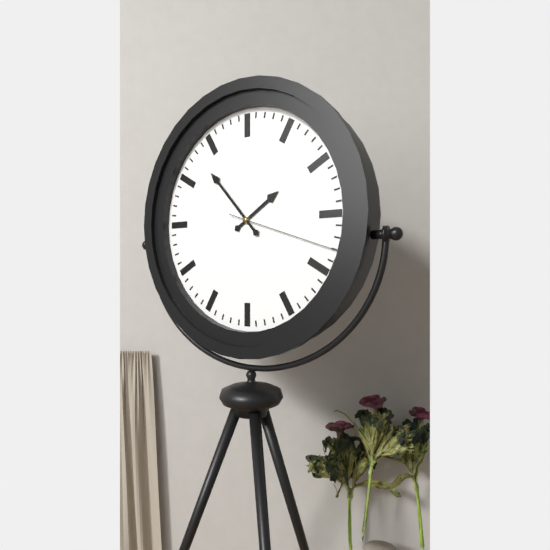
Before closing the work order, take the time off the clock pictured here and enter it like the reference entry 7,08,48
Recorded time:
1,53,18
